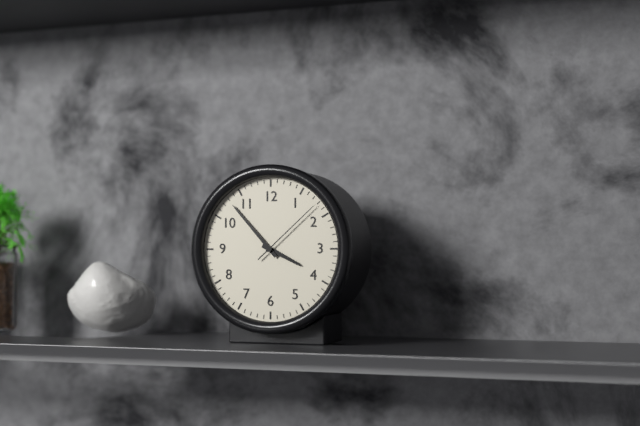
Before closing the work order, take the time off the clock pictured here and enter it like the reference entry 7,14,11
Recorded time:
3,53,08
